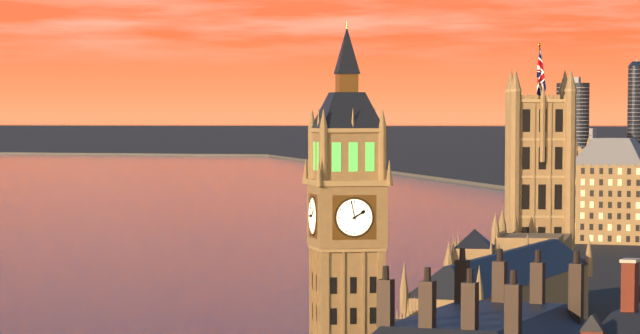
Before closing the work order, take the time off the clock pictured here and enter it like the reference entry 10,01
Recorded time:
1,58
